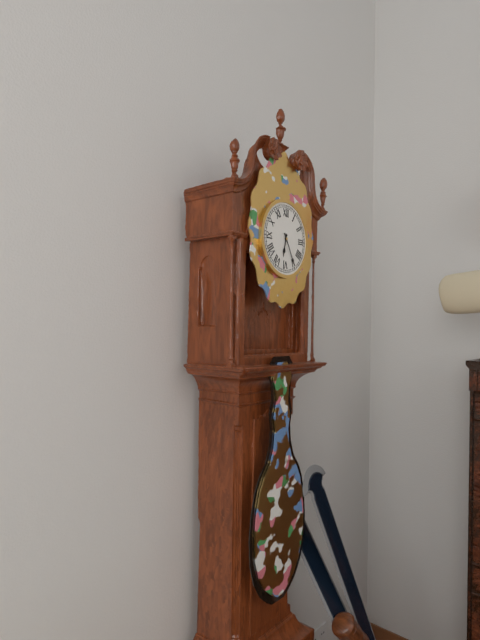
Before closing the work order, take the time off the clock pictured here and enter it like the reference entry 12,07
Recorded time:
6,25
